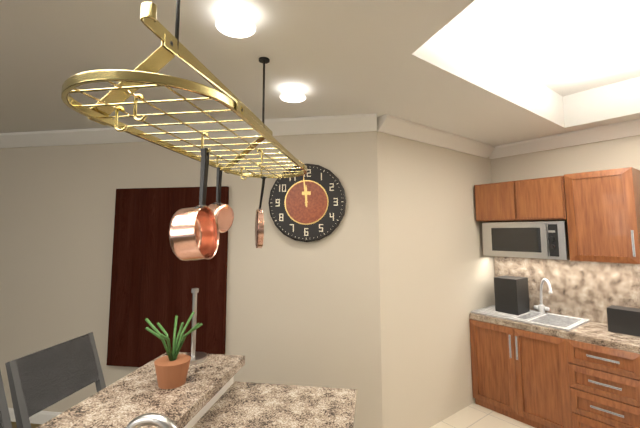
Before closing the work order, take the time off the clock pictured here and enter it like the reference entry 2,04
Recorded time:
11,59
